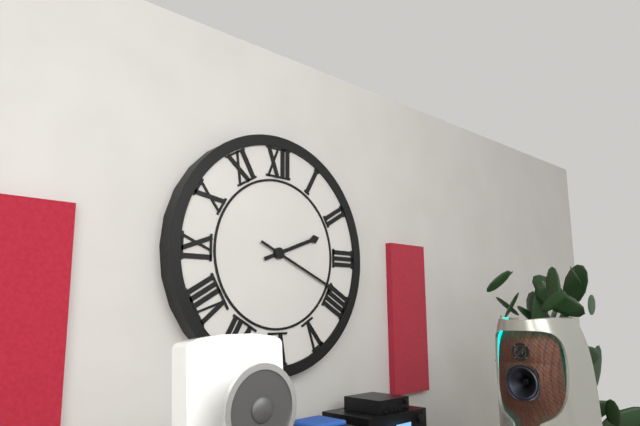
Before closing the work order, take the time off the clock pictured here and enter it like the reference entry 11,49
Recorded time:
2,19
